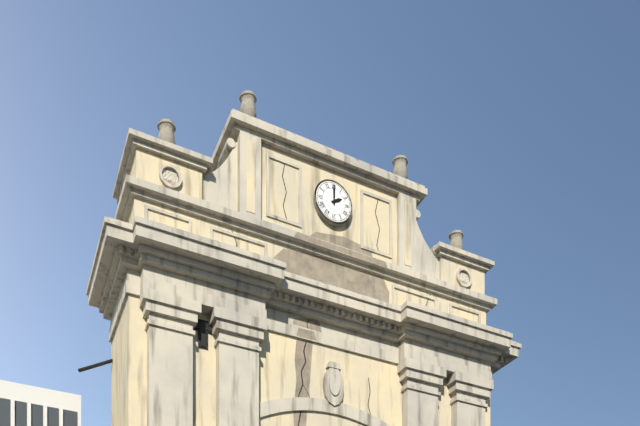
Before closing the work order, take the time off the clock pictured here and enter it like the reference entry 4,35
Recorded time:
2,00
